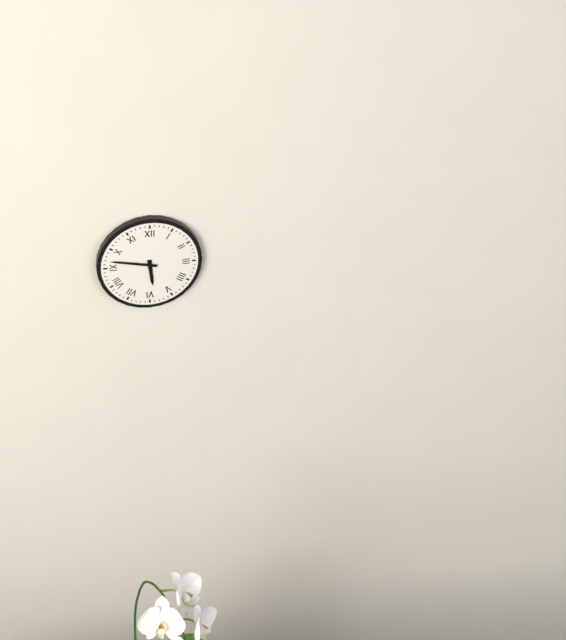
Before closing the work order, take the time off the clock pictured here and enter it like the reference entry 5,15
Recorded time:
5,47
